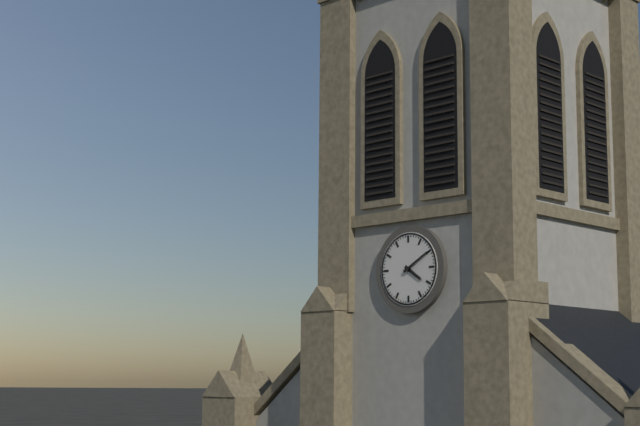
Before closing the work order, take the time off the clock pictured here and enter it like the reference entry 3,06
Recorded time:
4,10
